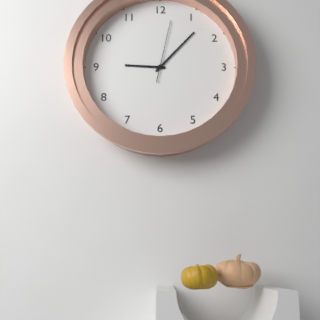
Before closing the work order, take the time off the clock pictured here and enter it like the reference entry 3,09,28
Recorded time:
9,07,02
